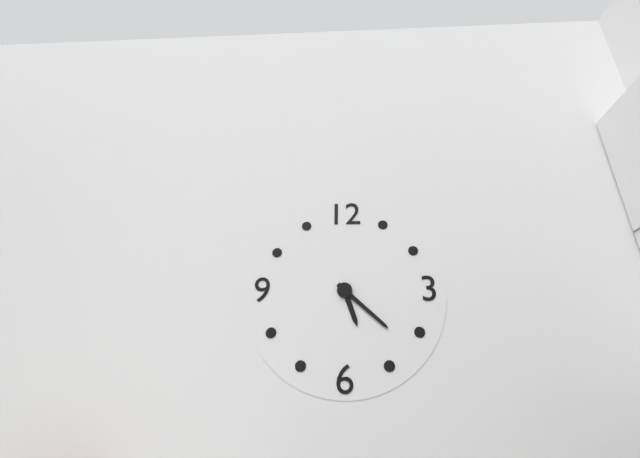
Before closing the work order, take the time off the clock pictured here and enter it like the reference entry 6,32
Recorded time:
5,22
